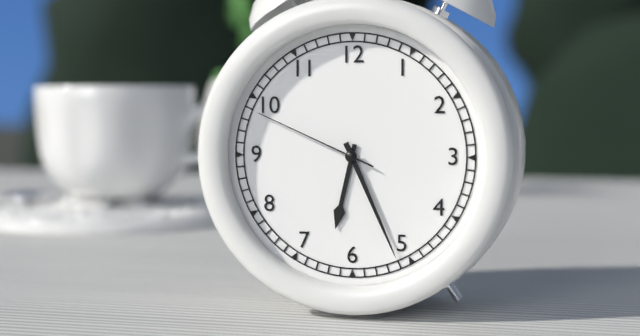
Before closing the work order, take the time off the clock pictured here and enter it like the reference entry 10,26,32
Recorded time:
6,26,49
